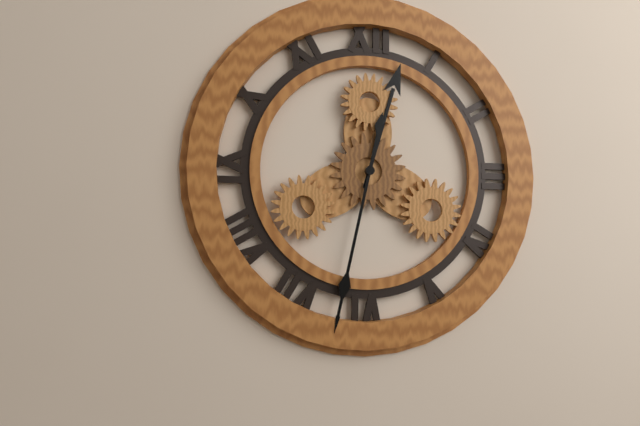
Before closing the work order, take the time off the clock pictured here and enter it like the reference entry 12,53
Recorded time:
12,32
